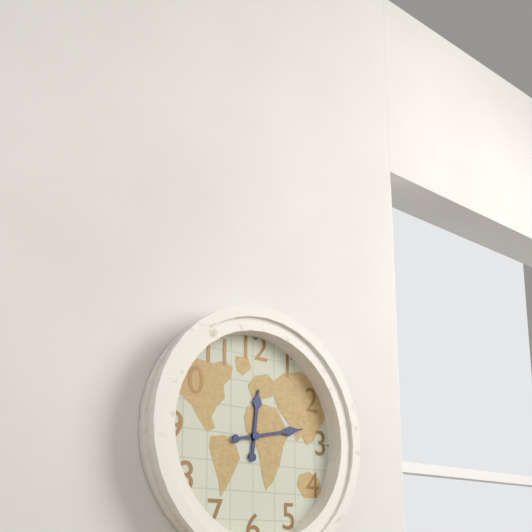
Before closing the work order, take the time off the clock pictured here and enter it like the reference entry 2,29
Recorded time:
12,13
